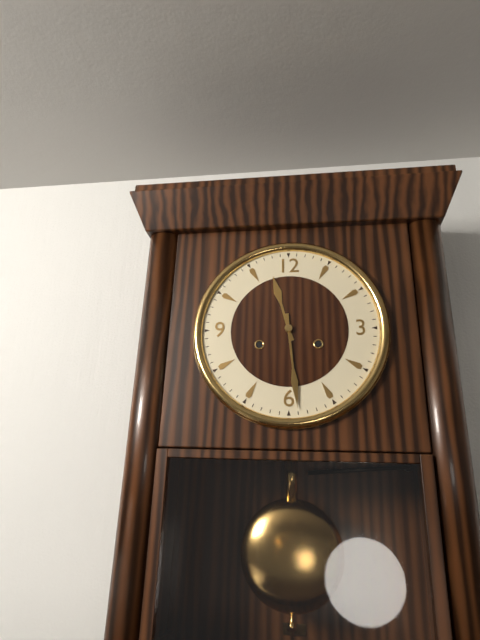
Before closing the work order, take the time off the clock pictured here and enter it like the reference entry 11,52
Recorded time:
11,29
